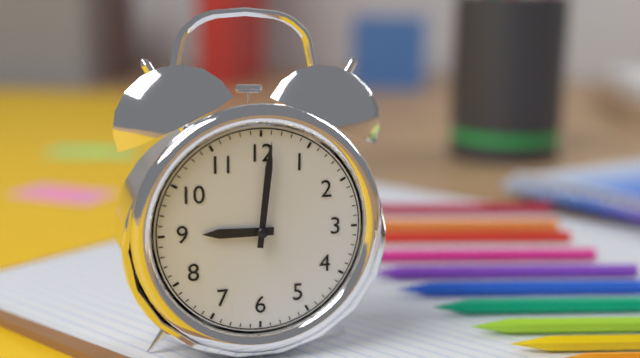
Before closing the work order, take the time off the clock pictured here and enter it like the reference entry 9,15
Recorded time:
9,01
